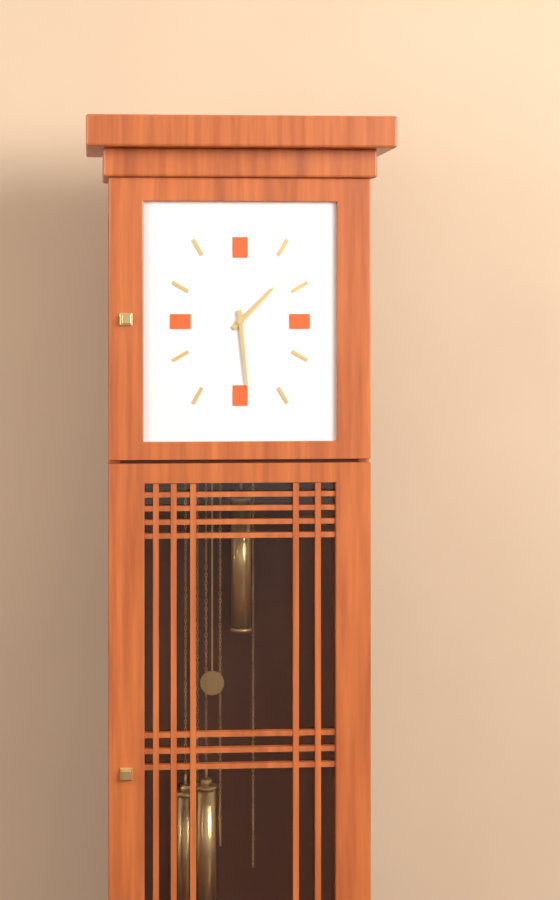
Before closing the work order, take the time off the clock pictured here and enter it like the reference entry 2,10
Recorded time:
1,29
